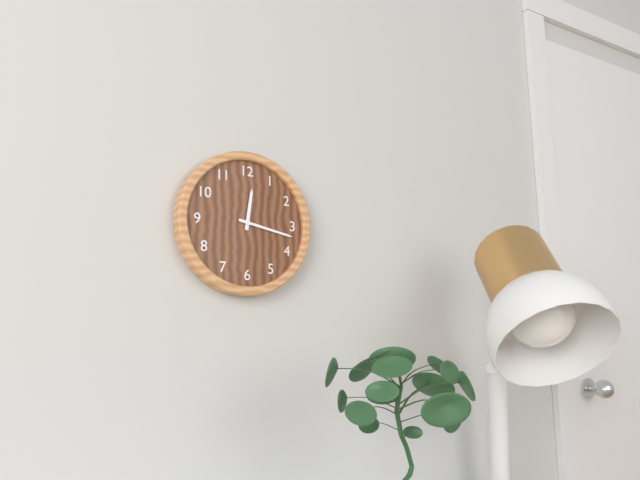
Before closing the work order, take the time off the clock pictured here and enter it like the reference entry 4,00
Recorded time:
12,17
